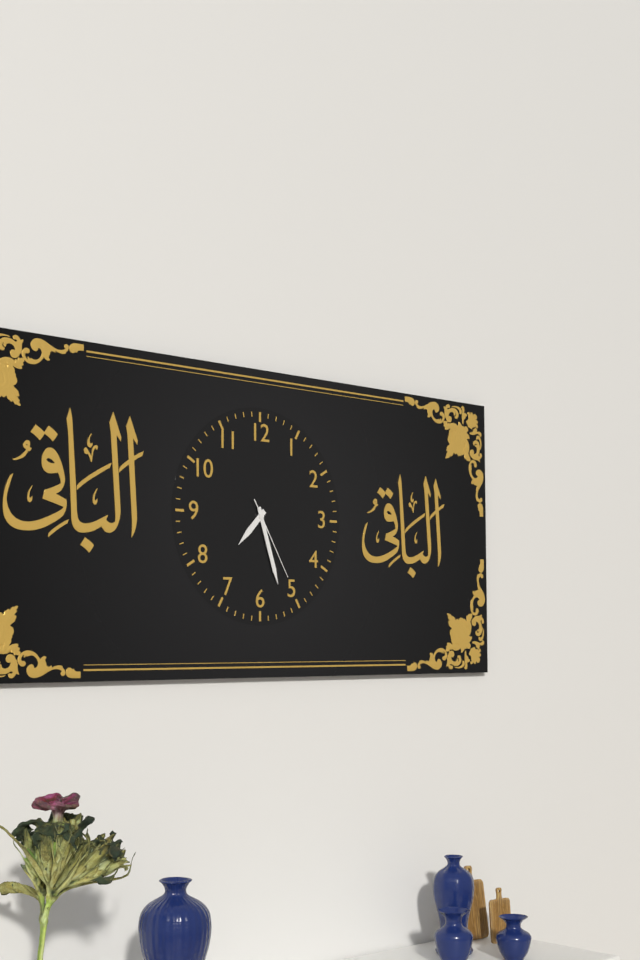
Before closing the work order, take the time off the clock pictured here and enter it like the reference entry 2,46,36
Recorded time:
7,27,25
